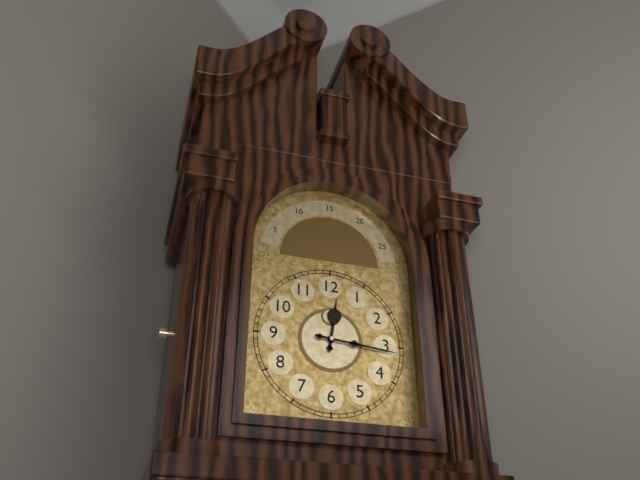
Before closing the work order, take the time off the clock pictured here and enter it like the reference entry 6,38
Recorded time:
12,16
